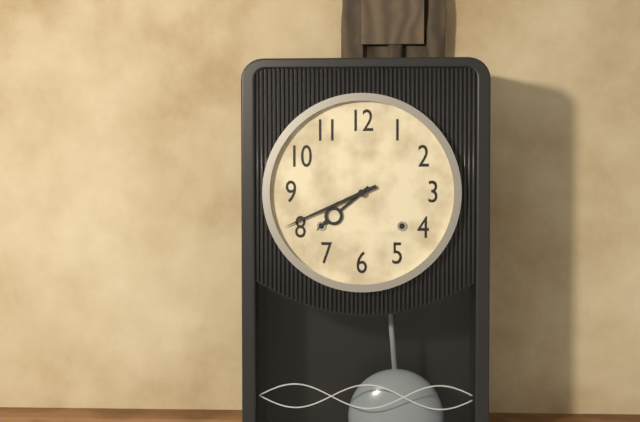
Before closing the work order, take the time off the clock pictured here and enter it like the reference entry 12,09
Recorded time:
7,41
